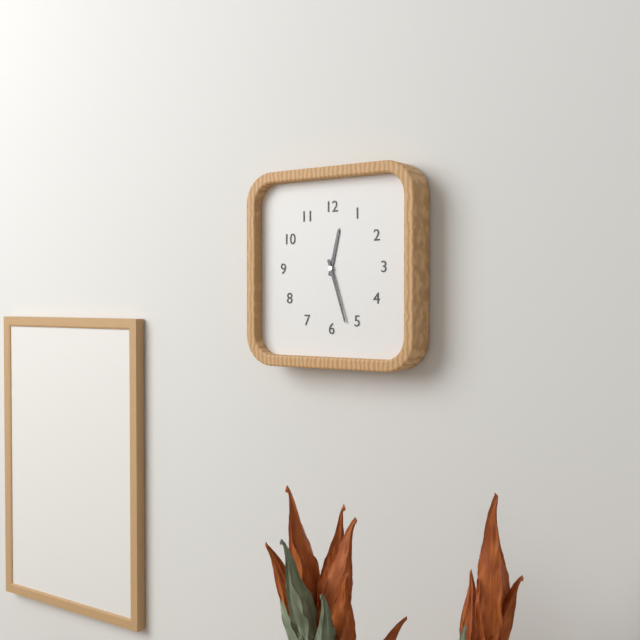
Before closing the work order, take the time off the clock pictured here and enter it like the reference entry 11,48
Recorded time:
12,27
